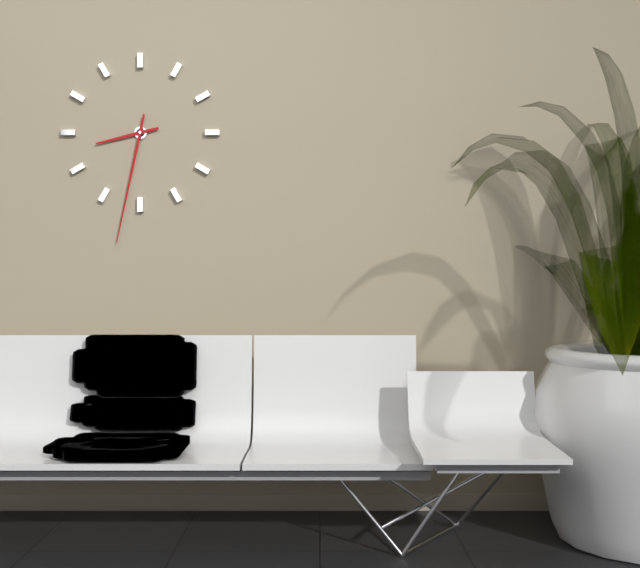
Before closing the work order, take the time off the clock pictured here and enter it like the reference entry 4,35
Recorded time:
8,32
